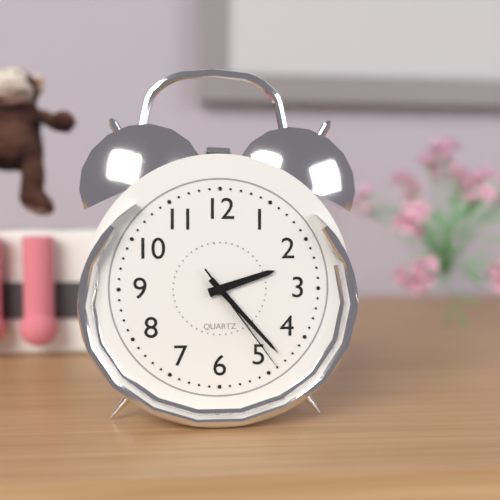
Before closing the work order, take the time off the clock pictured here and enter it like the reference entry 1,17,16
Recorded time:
2,23,24
